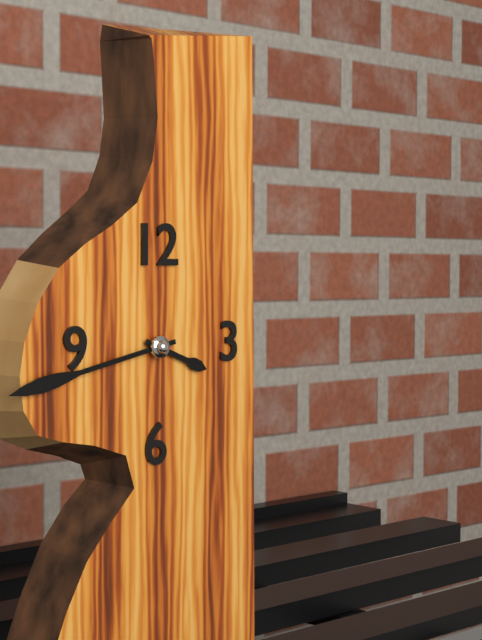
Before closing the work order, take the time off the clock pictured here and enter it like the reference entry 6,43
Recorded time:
3,43
